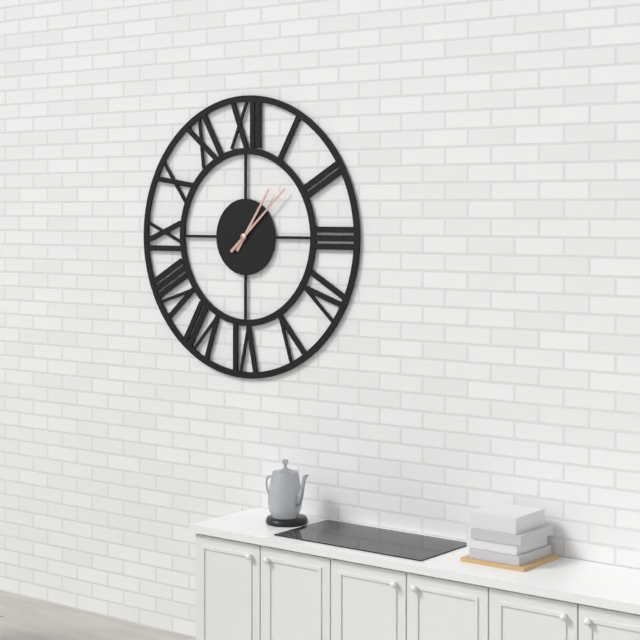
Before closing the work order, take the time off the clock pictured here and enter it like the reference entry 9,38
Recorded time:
1,08
